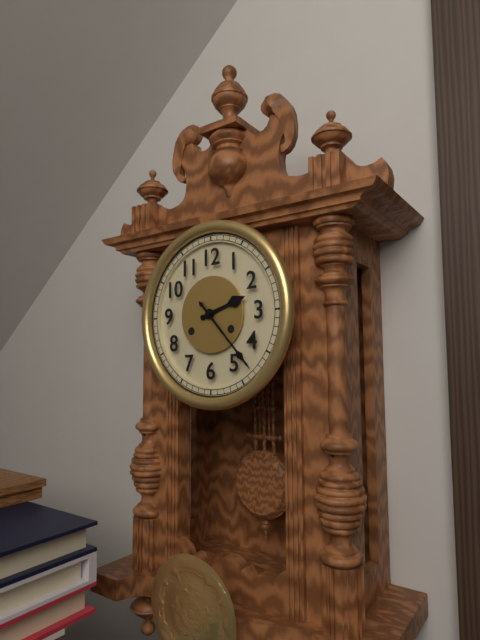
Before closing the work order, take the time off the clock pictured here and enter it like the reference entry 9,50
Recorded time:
2,23
